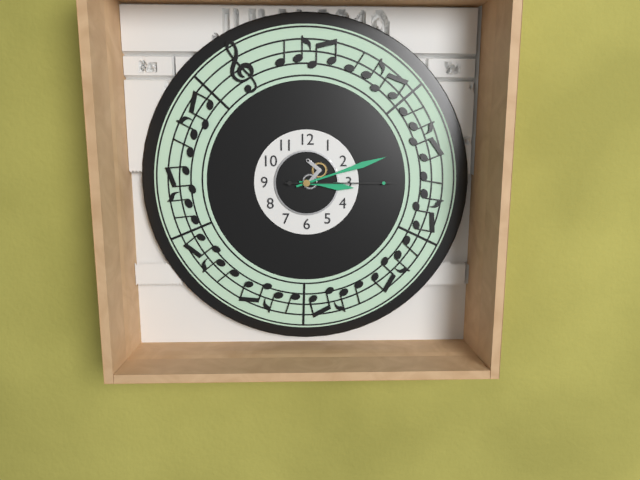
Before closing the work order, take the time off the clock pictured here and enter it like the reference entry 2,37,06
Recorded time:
3,12,15
